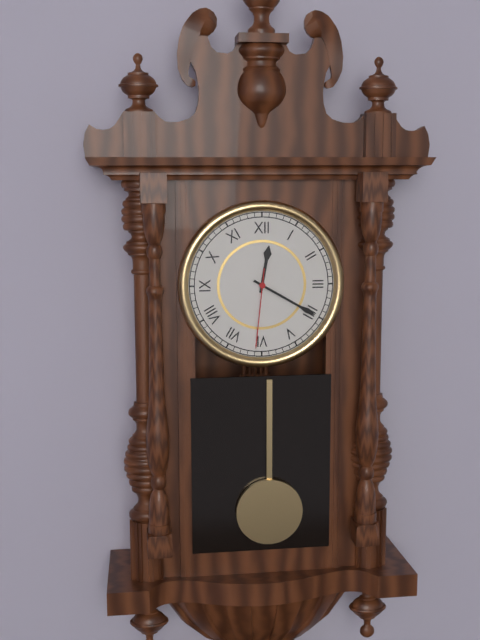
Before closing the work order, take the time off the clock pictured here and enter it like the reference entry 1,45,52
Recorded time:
12,20,31
